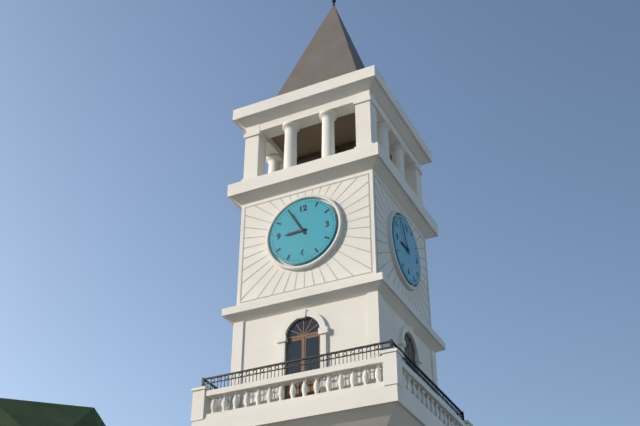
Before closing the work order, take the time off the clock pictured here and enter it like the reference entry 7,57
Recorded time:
8,55
